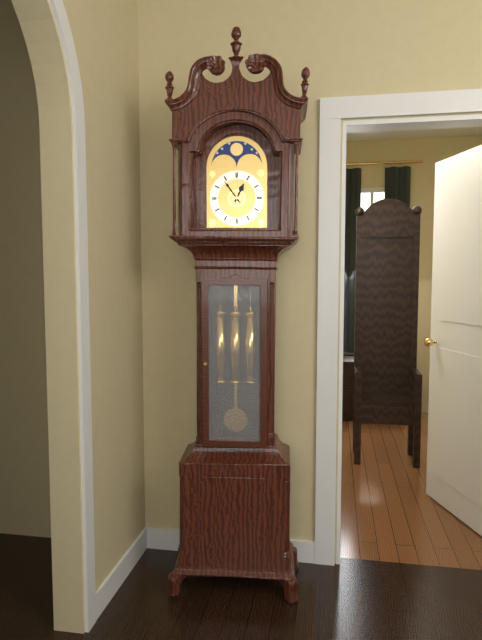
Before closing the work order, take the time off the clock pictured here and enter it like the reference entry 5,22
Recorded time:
12,54
